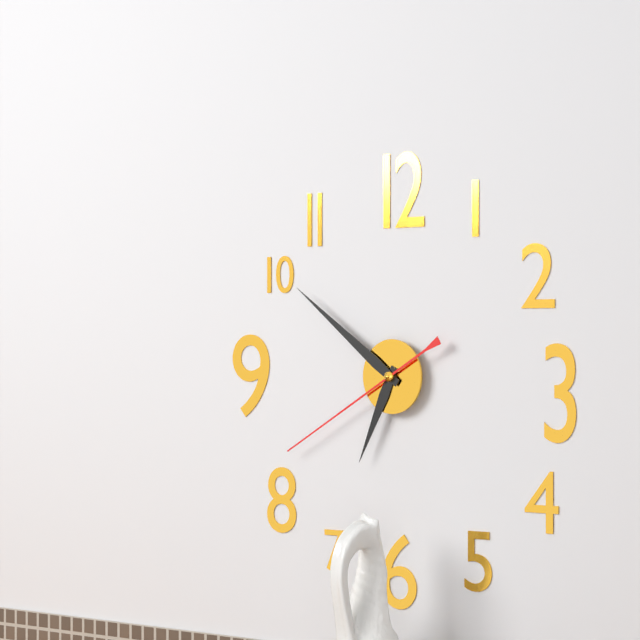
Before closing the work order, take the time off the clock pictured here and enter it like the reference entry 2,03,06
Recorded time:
6,51,40
